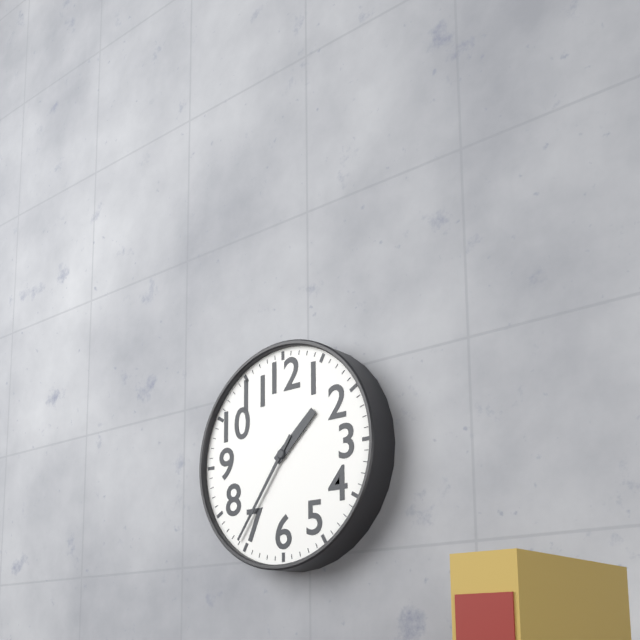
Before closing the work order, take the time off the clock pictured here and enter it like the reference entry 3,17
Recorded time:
1,36
